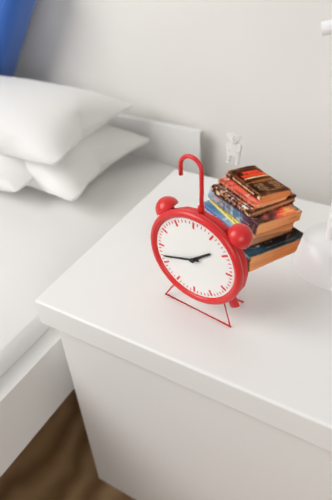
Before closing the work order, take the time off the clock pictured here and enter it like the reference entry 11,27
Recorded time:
1,42
